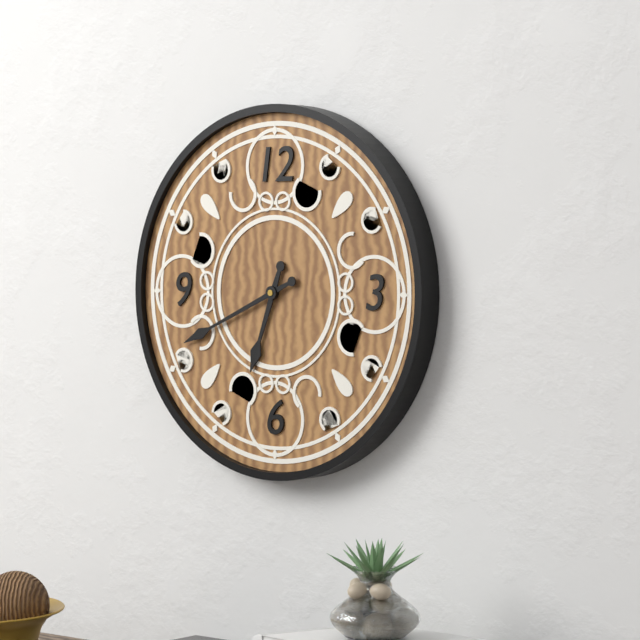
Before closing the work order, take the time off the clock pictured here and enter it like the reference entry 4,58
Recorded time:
6,41
